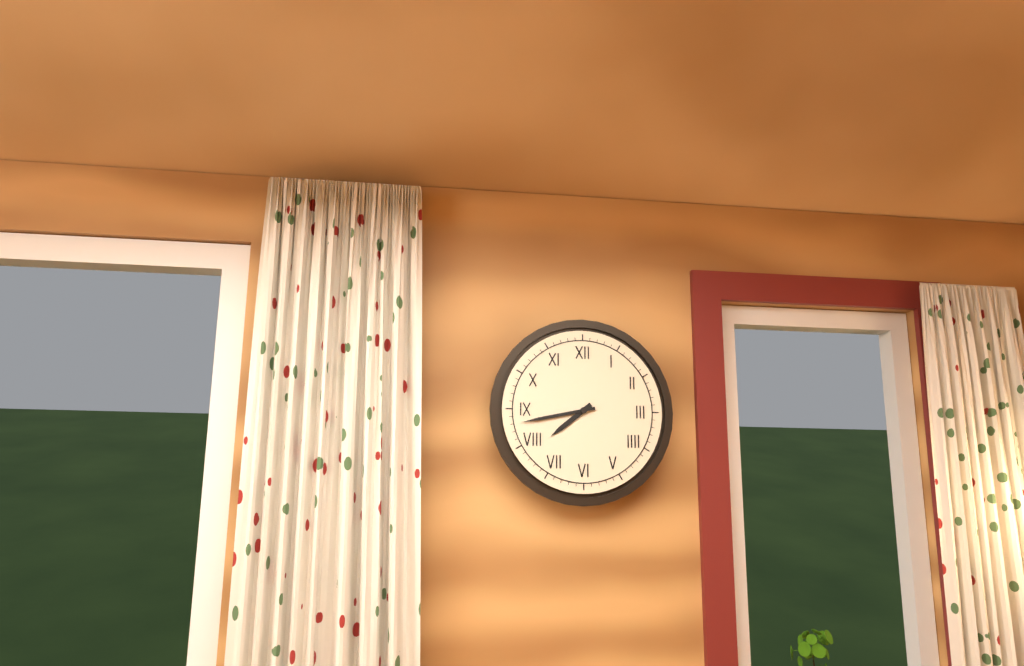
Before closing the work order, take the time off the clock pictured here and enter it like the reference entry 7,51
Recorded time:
7,43
